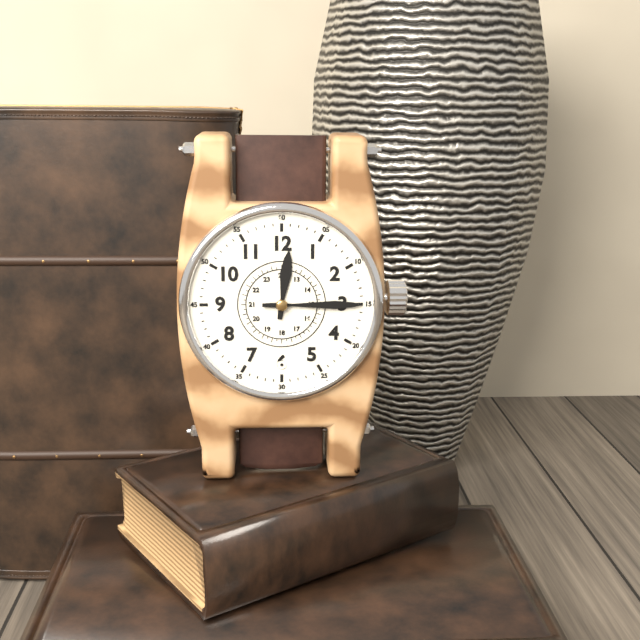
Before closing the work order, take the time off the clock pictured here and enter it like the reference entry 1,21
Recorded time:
12,15
